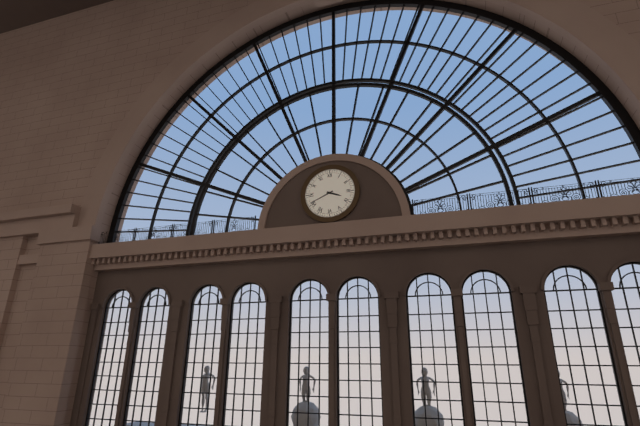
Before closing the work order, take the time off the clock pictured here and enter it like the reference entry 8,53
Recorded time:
3,41
